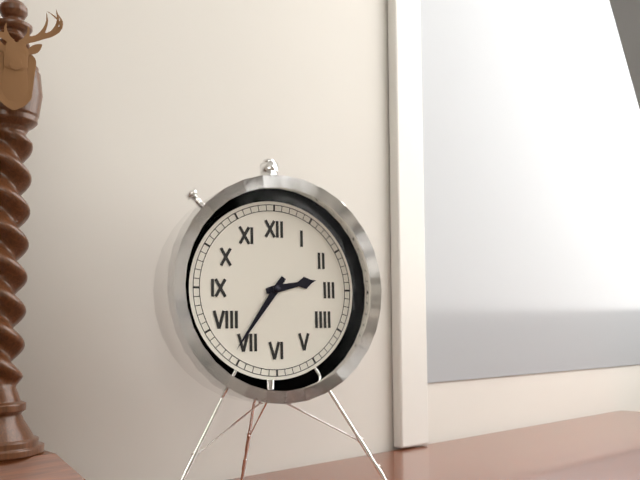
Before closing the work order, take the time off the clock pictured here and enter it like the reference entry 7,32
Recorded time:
2,36
